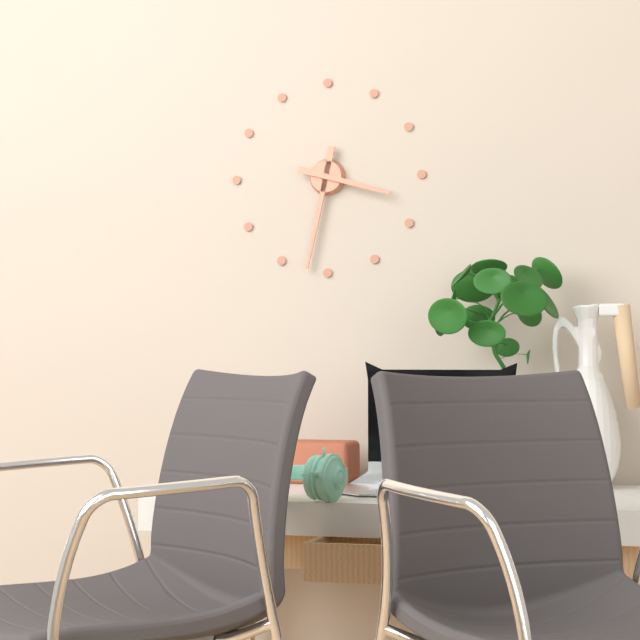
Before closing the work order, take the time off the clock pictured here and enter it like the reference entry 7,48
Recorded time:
3,32
